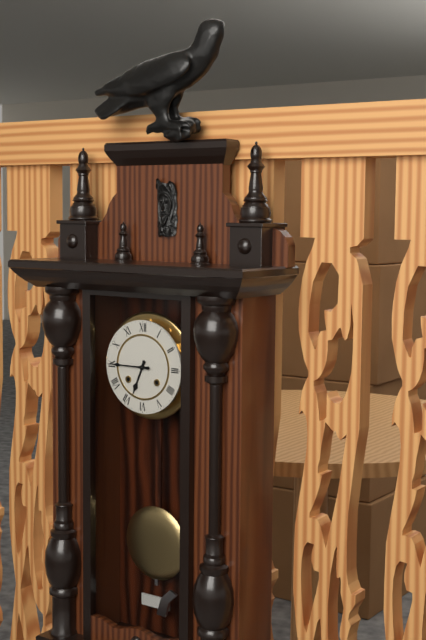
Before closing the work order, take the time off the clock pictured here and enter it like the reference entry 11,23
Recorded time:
6,45
